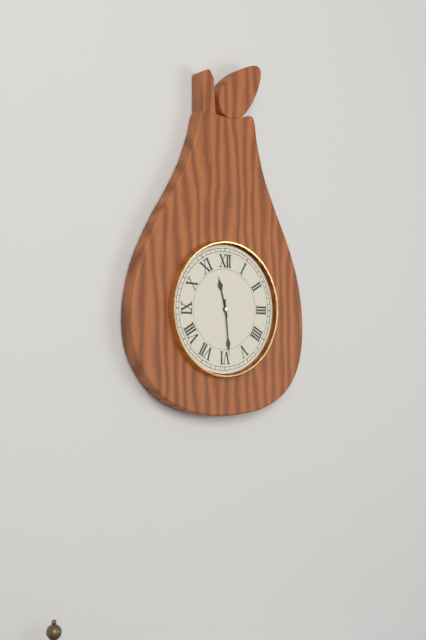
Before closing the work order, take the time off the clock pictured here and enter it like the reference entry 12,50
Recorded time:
11,29
